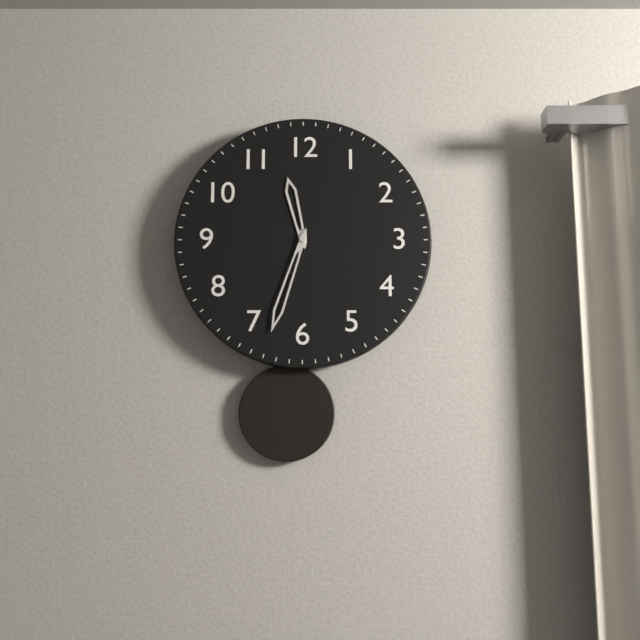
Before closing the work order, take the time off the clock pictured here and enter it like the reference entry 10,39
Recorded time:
11,33
